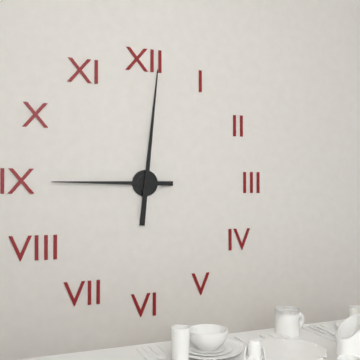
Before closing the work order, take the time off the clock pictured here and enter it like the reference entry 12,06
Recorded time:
9,01
